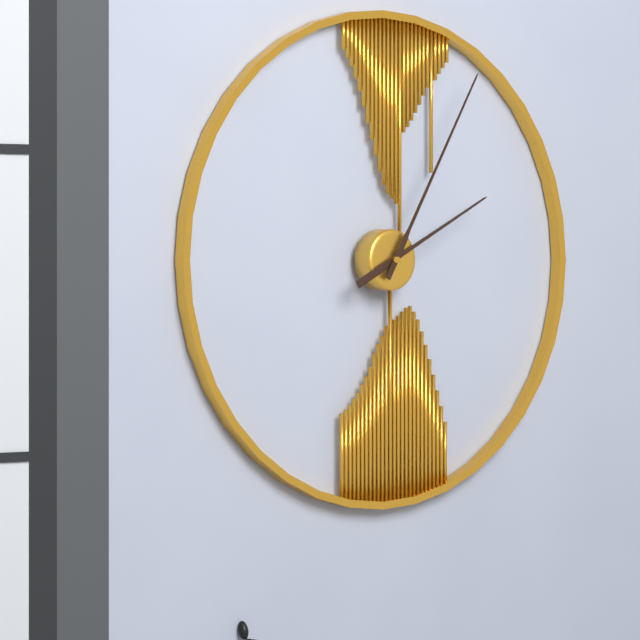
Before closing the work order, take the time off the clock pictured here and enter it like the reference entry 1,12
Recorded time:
2,05
